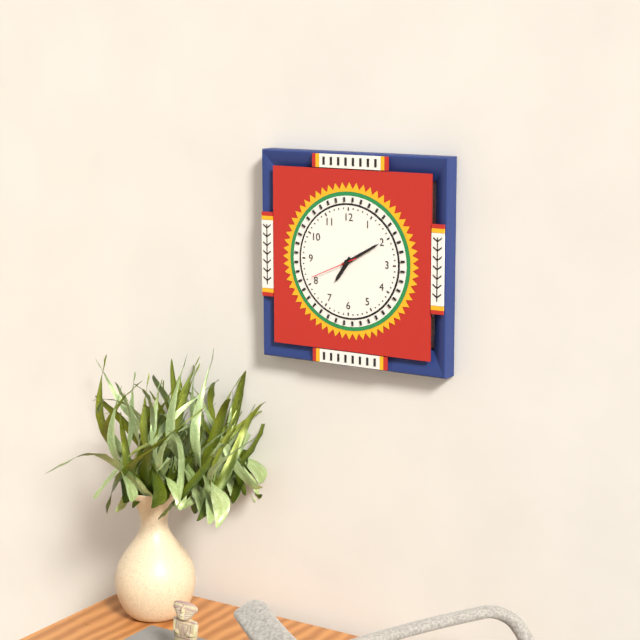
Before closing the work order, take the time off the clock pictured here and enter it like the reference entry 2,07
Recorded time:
7,10
